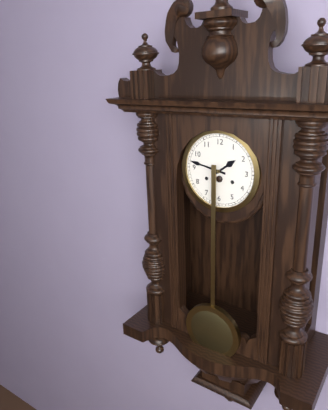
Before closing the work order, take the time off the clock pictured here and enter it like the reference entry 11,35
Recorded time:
1,47
